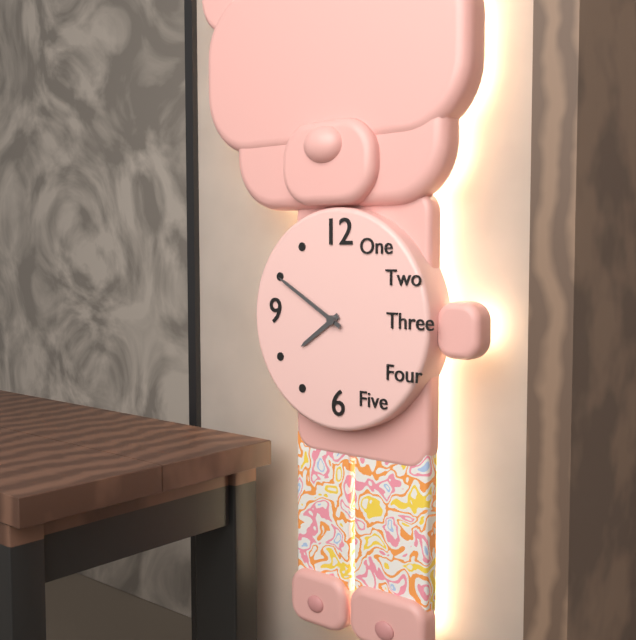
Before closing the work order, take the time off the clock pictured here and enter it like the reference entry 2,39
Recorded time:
7,50
